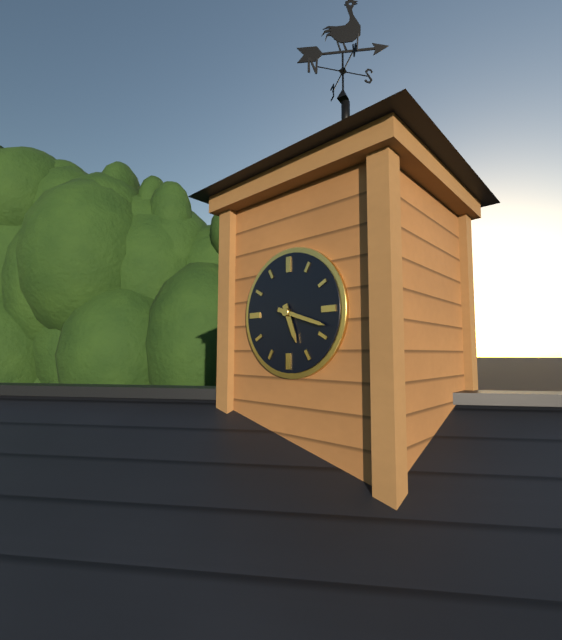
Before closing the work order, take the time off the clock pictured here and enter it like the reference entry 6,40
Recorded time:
5,18
